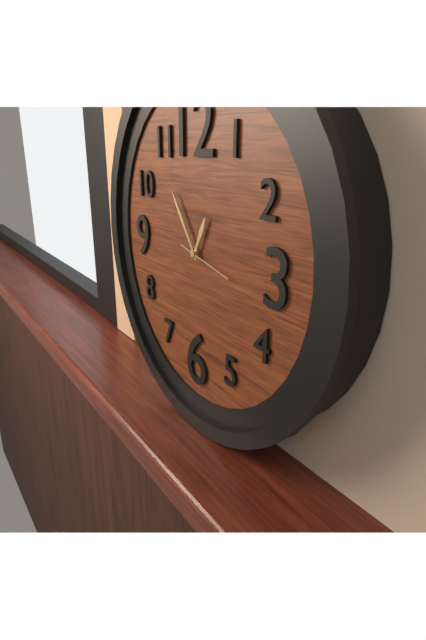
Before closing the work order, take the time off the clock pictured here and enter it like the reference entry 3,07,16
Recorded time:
12,54,17
